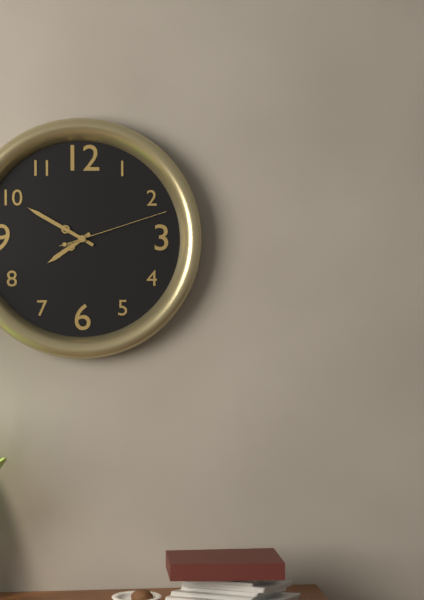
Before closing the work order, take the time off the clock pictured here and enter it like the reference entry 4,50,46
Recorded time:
7,50,12
